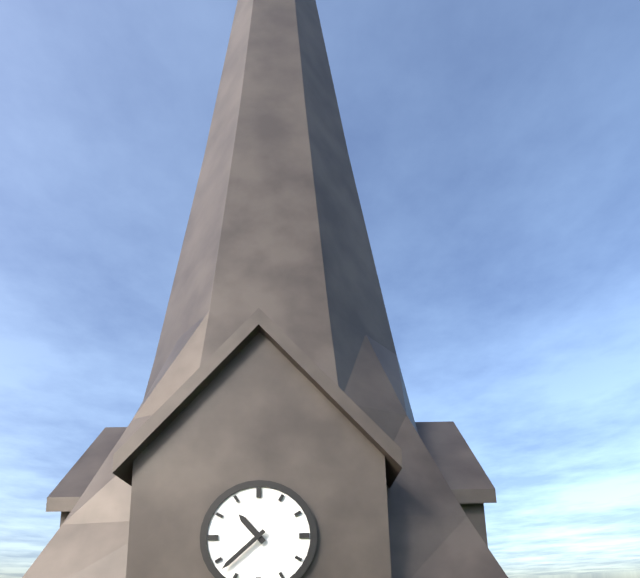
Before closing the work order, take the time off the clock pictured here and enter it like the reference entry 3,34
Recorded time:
10,38
